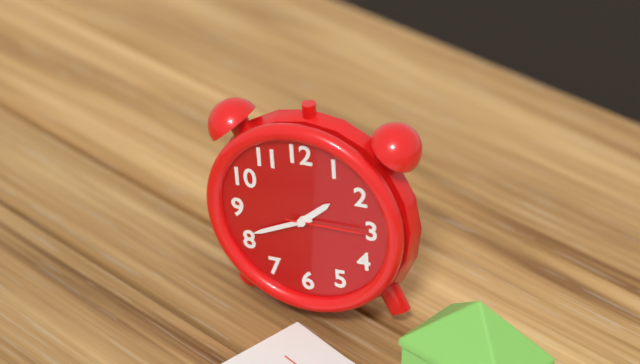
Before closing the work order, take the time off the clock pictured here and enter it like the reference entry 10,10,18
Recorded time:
1,41,15
